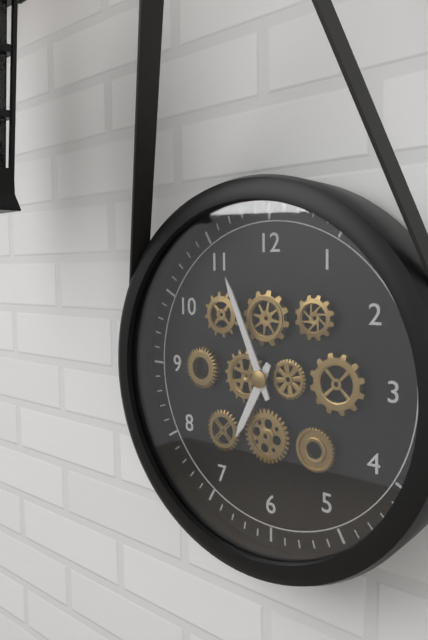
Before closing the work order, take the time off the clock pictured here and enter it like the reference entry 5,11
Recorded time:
6,56
